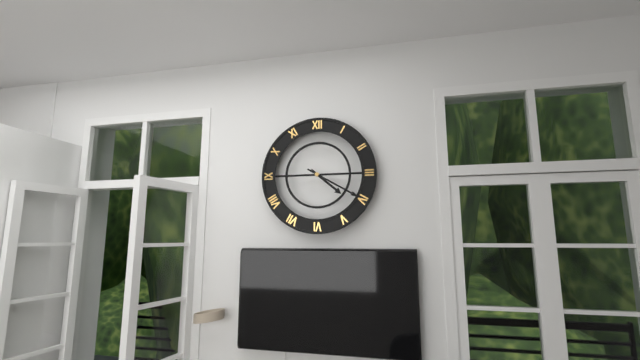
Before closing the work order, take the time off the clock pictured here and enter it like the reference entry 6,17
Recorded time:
4,20
